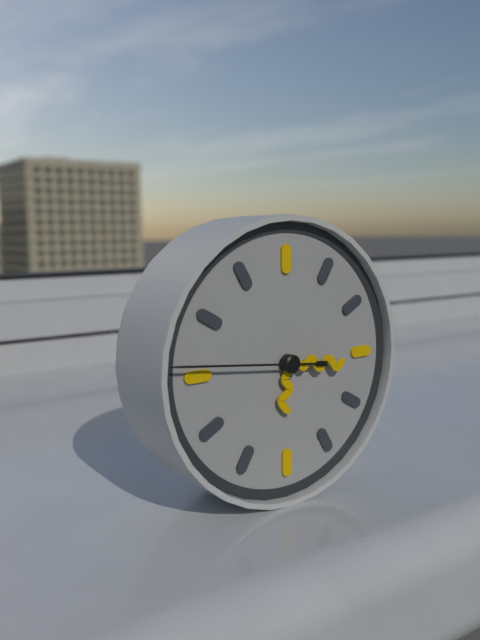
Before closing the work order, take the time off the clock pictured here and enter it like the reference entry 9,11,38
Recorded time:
6,16,46
